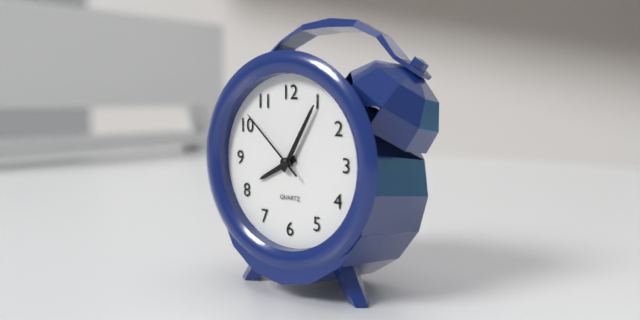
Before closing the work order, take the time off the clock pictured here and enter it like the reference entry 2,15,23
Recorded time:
8,05,52
